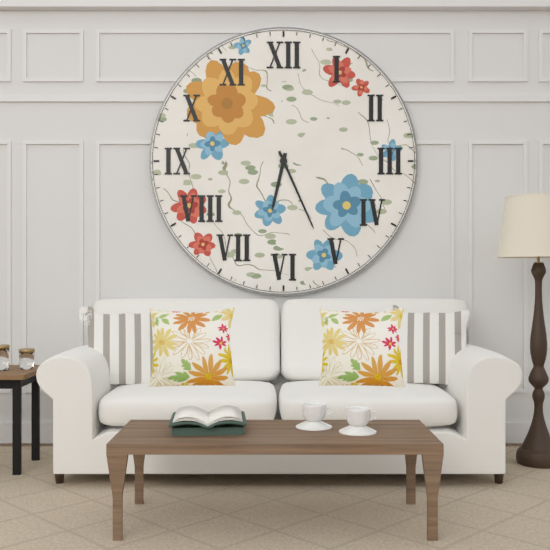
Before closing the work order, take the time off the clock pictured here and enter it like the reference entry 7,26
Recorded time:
6,26
